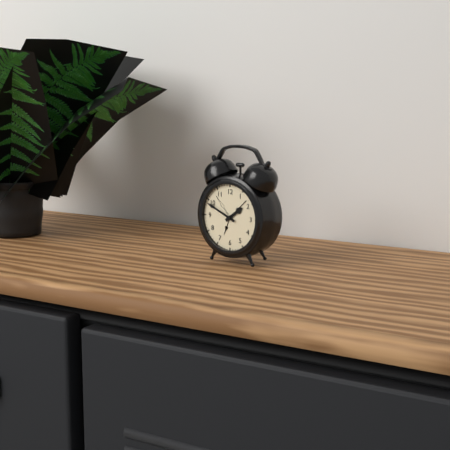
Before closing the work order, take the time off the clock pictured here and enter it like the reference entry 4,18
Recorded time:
1,49
